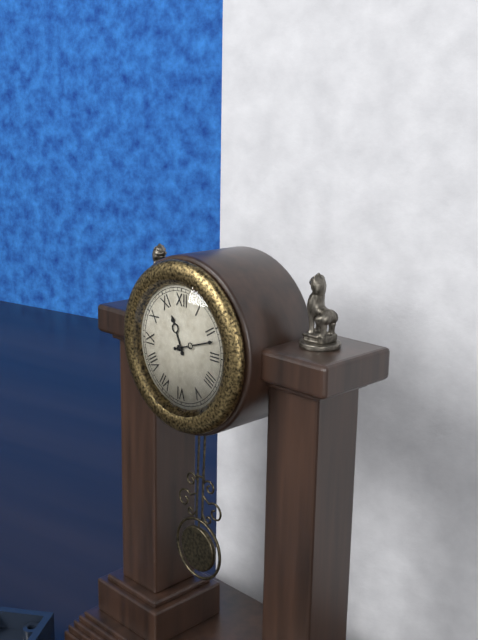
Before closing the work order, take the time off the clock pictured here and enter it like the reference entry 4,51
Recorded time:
11,12
